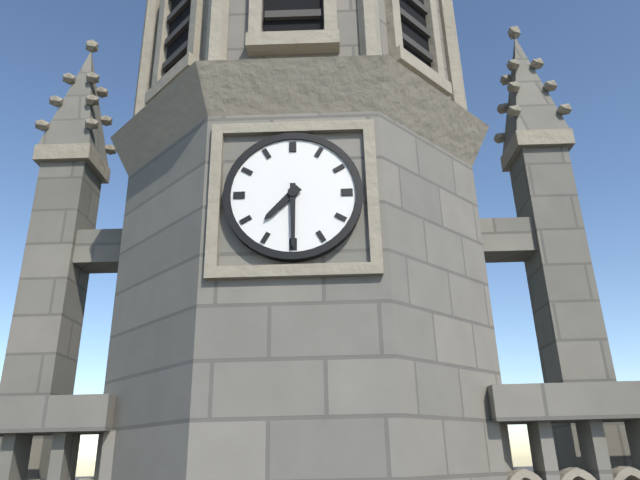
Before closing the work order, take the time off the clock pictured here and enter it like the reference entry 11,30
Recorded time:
7,30
